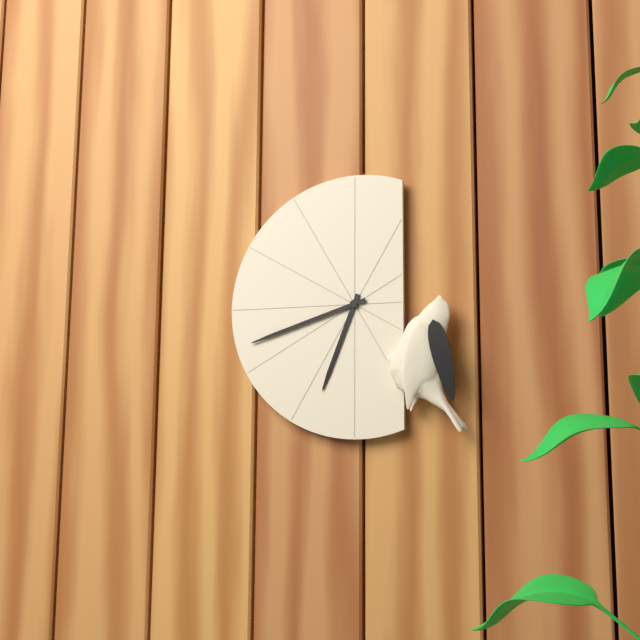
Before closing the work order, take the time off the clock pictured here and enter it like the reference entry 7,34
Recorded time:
6,42
